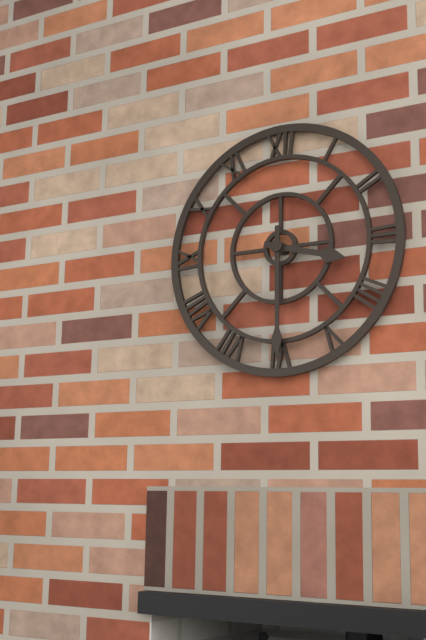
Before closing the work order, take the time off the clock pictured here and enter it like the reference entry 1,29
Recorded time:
3,30
